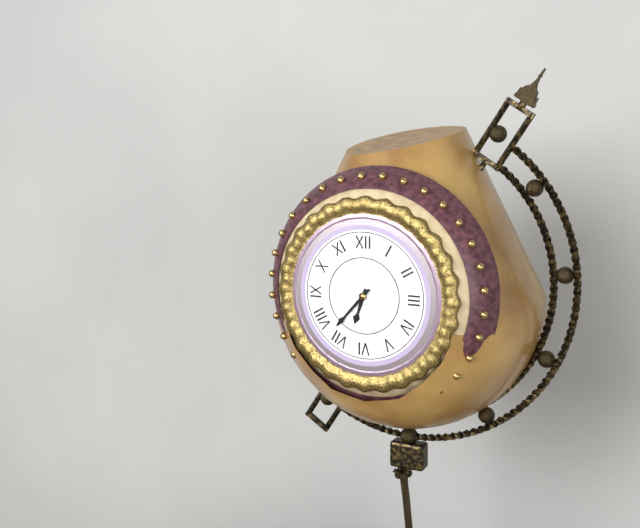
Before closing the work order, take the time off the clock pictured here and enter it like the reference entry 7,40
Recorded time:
6,37
